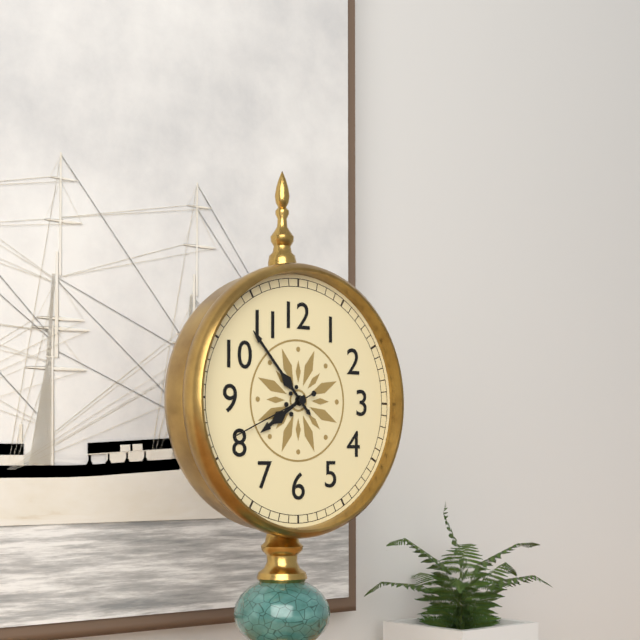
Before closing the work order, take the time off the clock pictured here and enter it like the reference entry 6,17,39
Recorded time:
7,53,41
